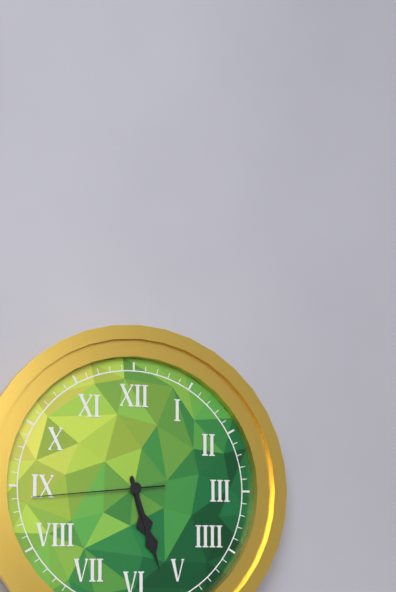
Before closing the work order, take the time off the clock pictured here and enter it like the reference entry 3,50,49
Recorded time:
5,27,44
